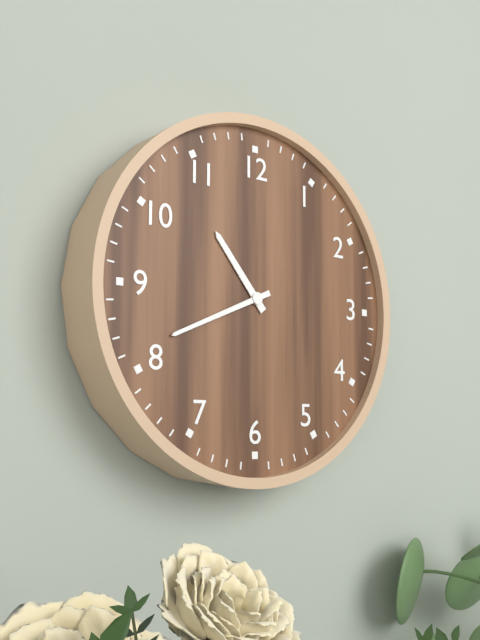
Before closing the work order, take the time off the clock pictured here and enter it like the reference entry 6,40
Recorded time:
10,41
